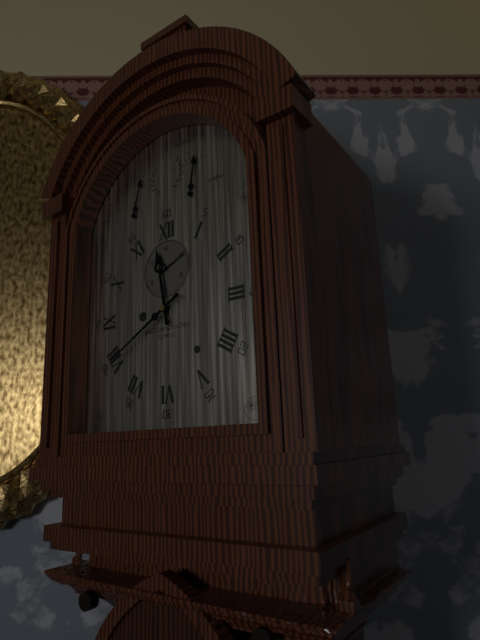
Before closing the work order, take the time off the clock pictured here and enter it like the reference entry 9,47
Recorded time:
11,40
